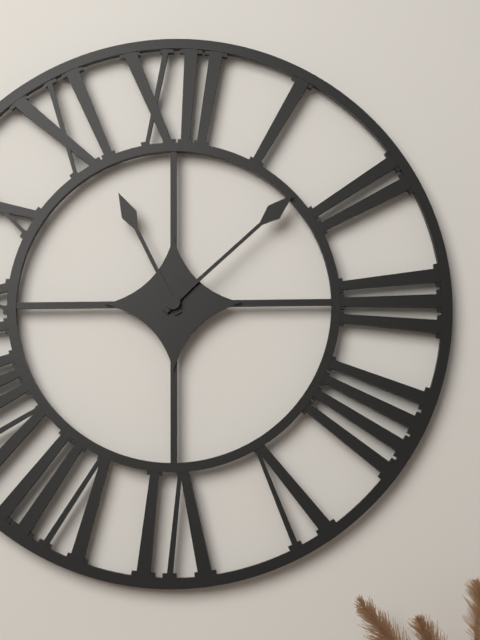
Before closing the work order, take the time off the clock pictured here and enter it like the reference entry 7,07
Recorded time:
11,08
